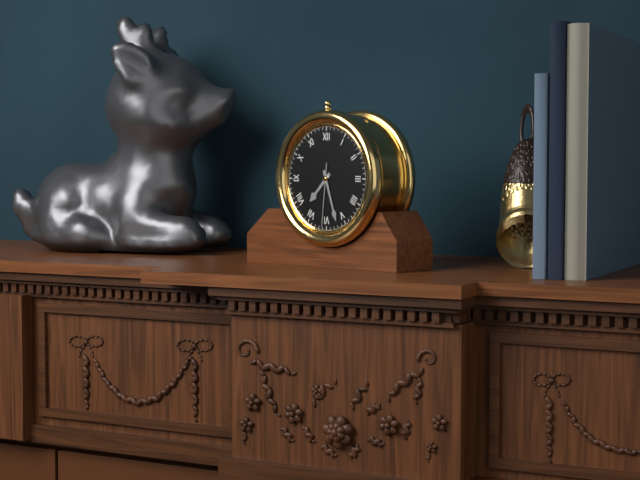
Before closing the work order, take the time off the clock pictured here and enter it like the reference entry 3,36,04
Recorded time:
7,27,31
